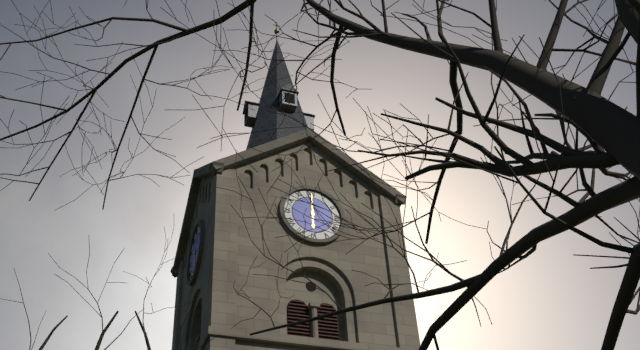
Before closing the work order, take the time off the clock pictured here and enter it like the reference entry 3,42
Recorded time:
6,00
